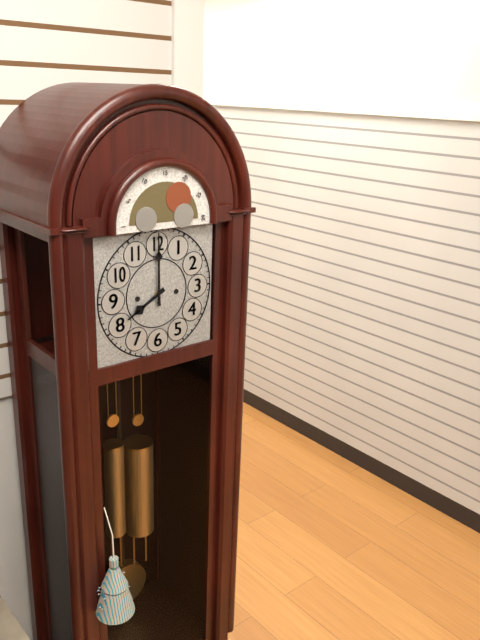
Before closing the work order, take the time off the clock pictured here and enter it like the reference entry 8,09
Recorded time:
8,00
